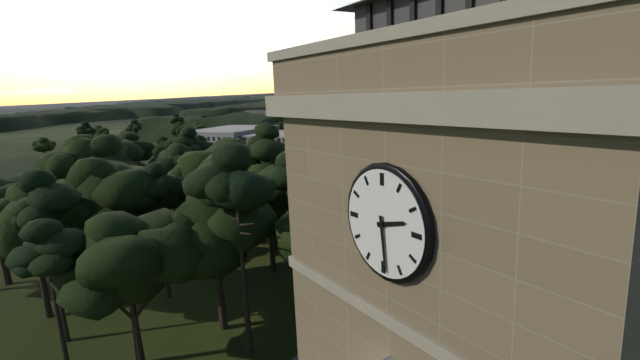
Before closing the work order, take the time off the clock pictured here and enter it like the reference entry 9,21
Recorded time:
2,29
